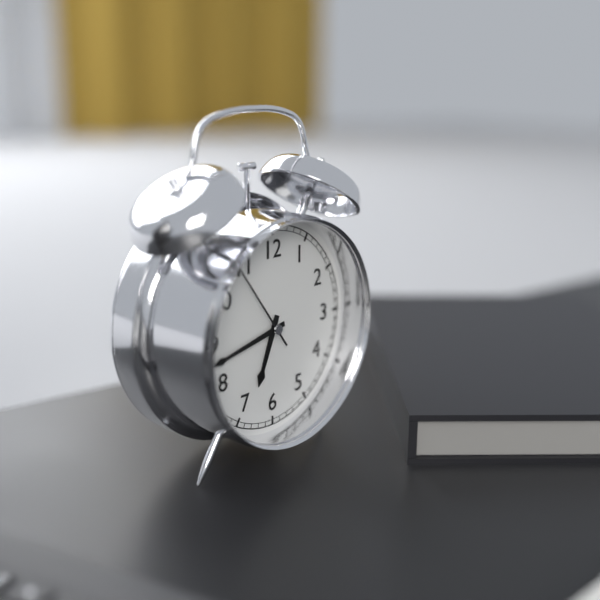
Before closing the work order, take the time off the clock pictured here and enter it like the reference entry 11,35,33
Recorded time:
6,43,54
